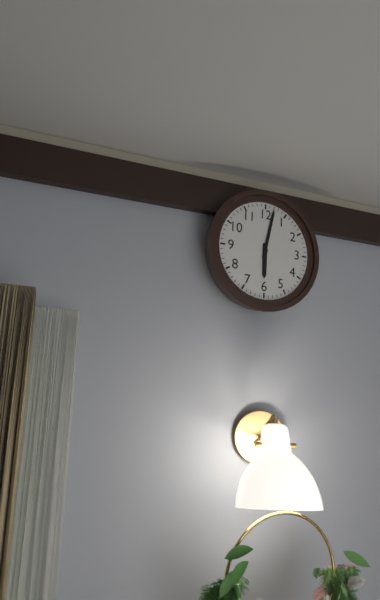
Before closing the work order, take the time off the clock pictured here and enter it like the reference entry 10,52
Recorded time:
6,02
